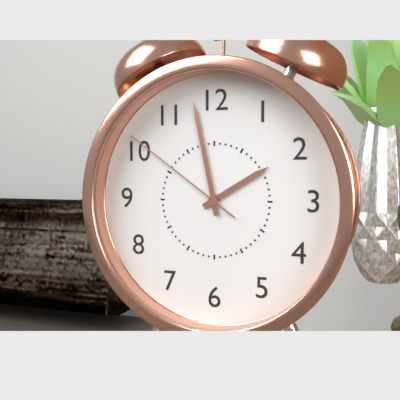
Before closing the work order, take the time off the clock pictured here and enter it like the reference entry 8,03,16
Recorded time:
1,58,51
